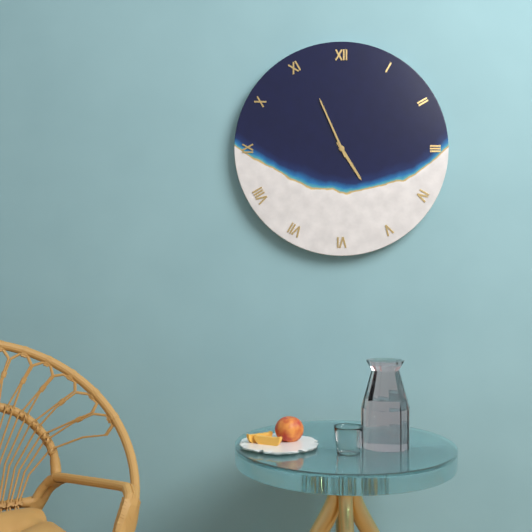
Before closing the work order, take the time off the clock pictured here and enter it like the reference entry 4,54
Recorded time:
4,56
